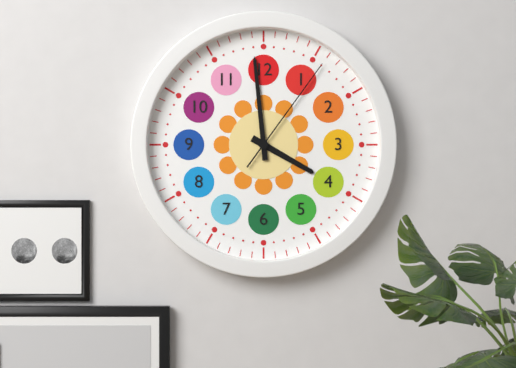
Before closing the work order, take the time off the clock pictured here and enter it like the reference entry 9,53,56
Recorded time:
3,59,06
